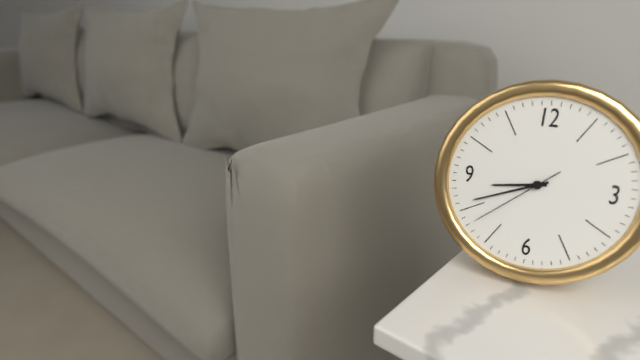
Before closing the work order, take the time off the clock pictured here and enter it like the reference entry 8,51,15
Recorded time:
8,41,38
